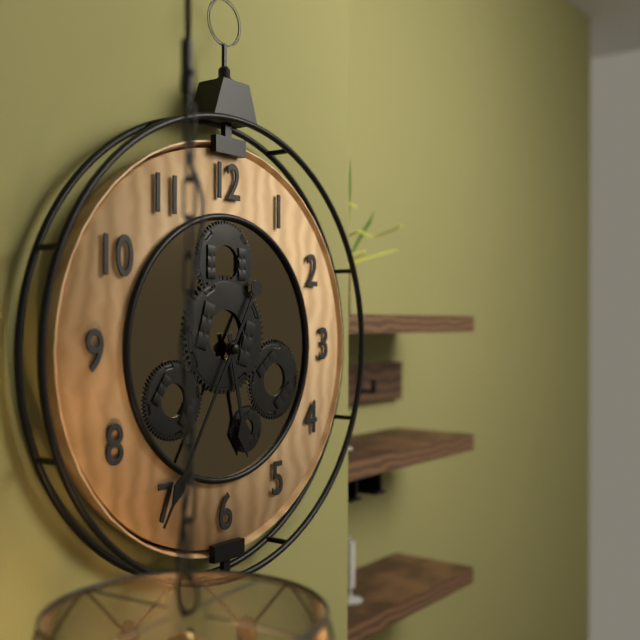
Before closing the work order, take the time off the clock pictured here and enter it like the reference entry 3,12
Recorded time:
5,35
